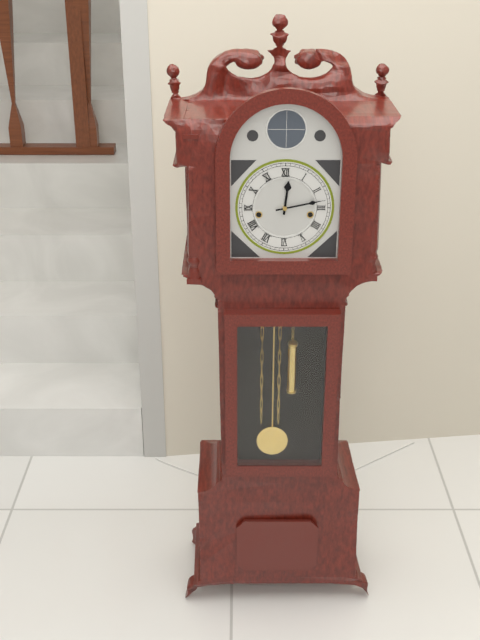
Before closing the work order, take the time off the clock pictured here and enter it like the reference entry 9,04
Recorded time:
12,13
